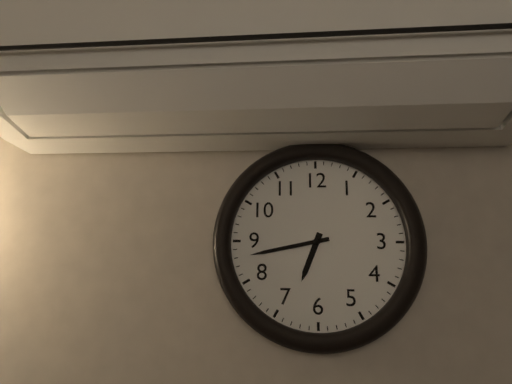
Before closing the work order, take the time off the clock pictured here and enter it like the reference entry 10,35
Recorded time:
6,43
